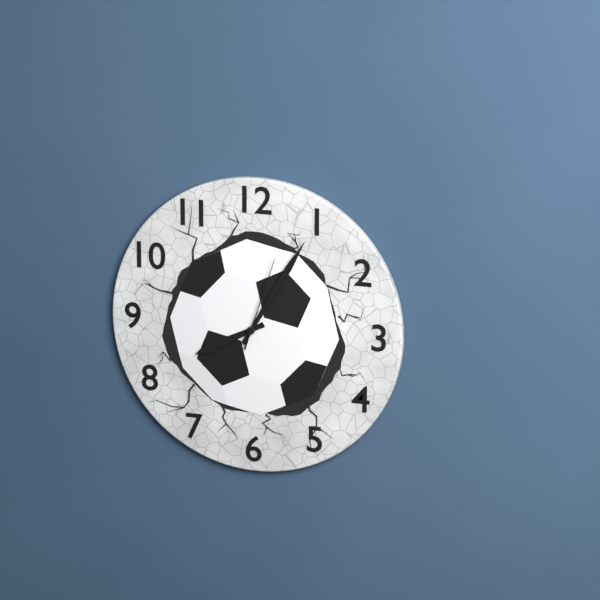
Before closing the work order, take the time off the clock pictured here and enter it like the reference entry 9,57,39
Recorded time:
8,05,03
